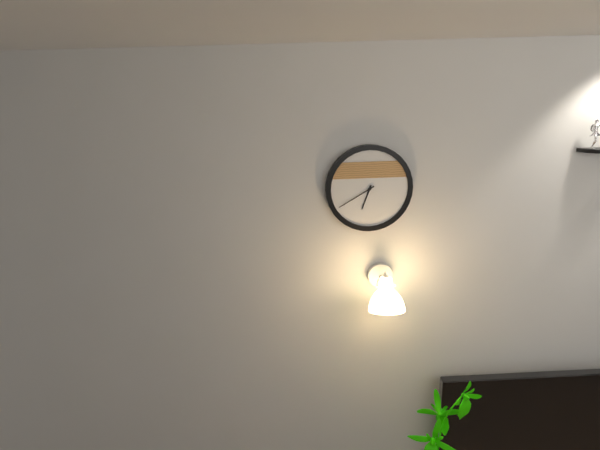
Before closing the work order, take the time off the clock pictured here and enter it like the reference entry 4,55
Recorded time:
6,40
